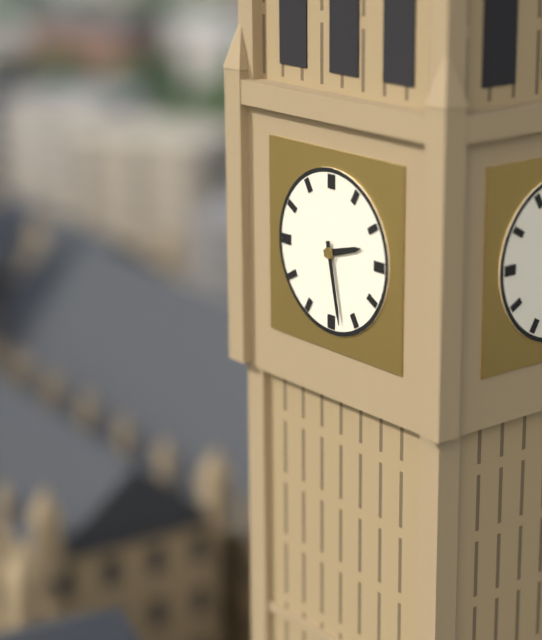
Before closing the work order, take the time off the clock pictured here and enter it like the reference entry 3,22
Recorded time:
2,28
